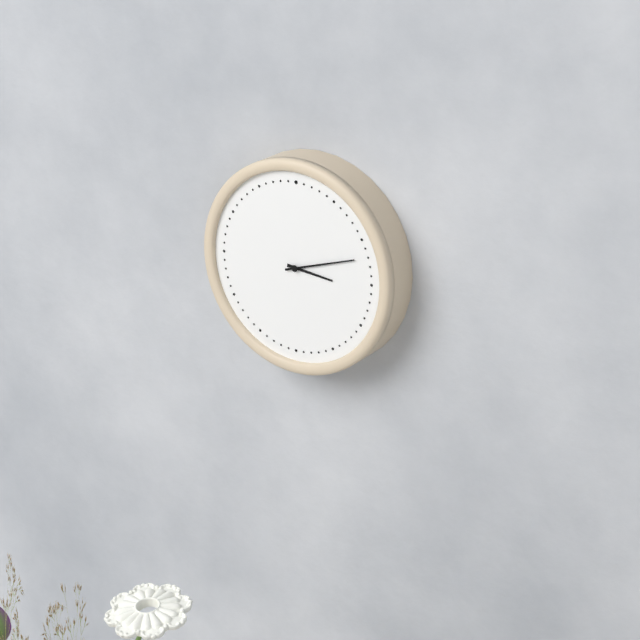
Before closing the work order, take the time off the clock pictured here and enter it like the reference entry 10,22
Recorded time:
3,12
